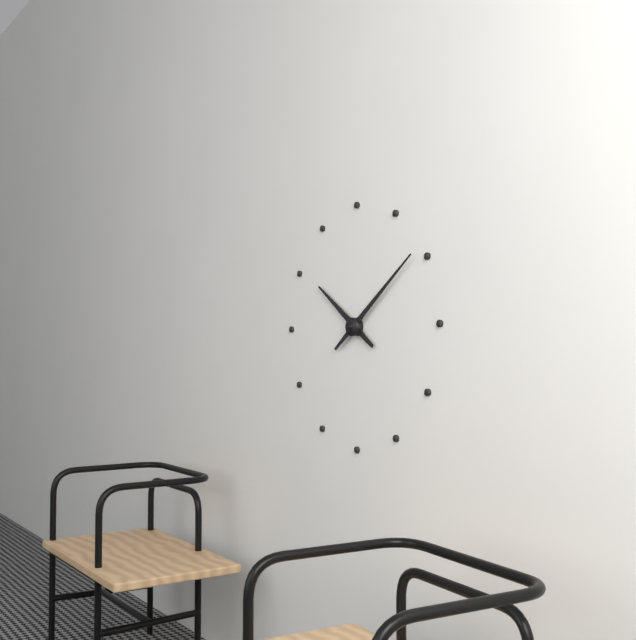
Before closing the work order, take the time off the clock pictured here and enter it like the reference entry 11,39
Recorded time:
10,09
